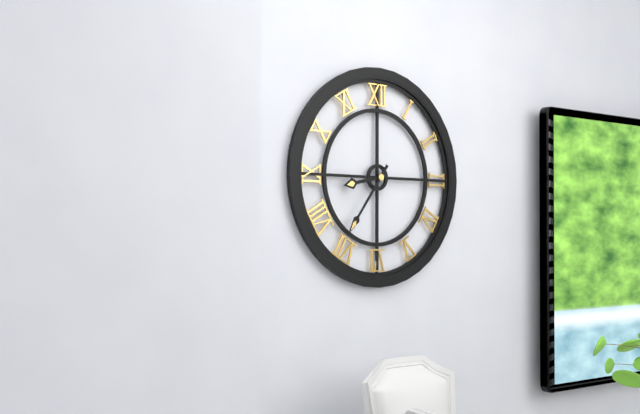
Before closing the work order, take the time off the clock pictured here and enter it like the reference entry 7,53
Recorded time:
8,36
